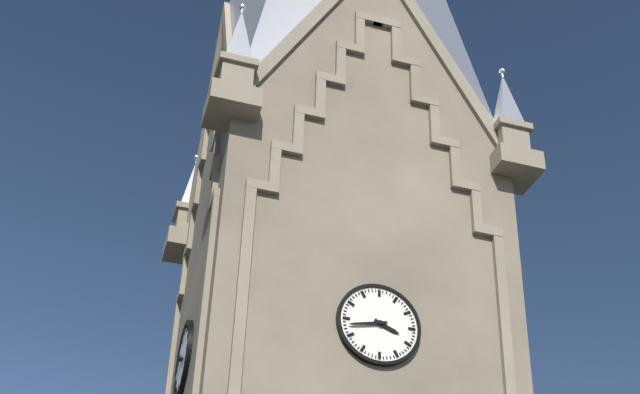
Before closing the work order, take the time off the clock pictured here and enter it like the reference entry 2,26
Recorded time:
3,43
